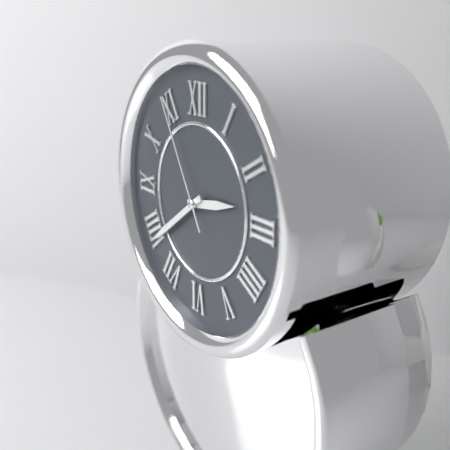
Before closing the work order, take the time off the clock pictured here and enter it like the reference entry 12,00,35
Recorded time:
2,39,55
